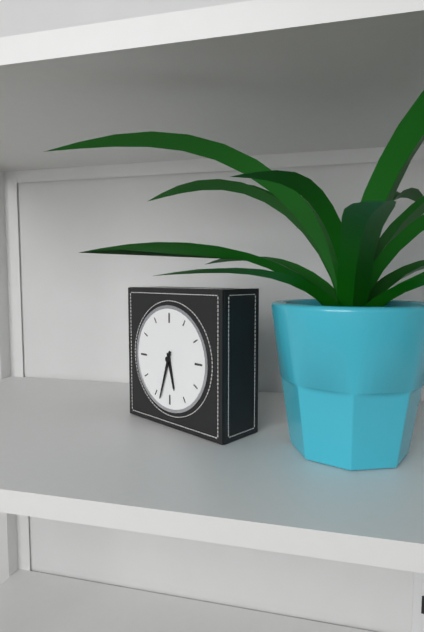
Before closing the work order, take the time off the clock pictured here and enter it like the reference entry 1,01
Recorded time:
5,33
